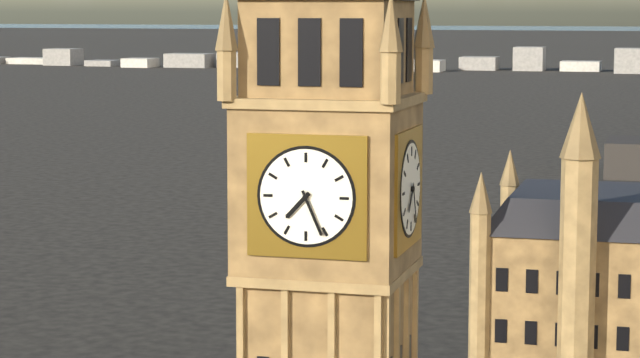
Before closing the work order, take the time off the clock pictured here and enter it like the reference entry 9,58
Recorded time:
7,26
